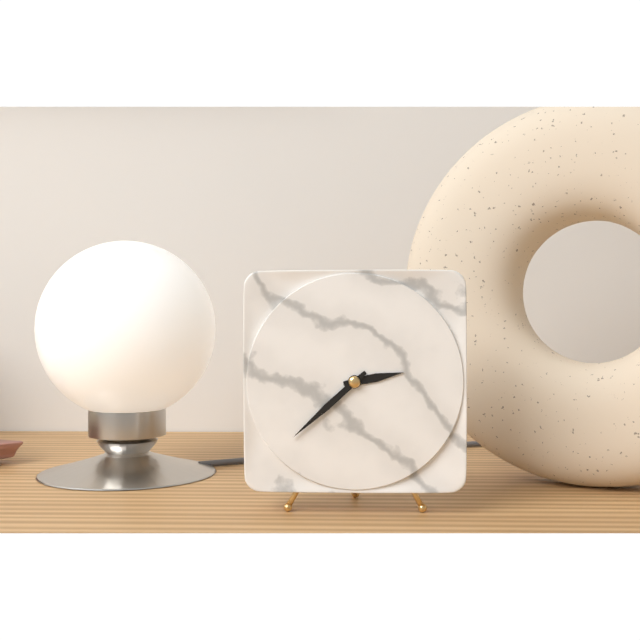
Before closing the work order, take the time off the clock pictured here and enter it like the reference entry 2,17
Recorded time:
2,38
